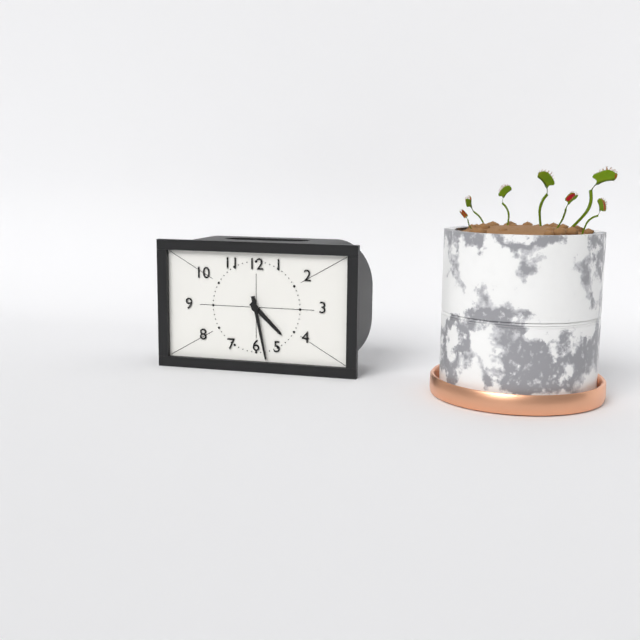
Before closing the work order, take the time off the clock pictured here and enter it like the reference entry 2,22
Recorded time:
4,28
